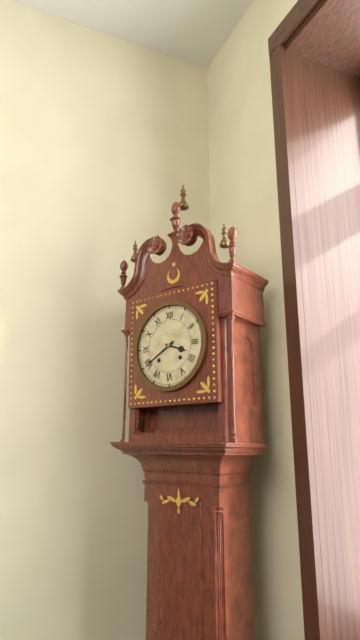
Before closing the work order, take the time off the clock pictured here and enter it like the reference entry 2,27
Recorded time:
3,40
